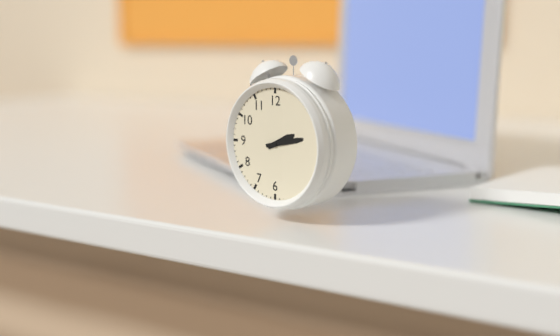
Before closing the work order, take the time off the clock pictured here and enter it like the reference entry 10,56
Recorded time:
2,13
